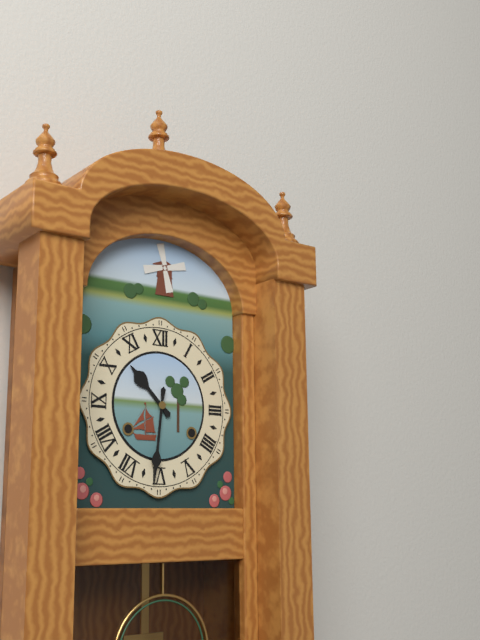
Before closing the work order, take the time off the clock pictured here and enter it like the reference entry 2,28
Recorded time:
10,31
